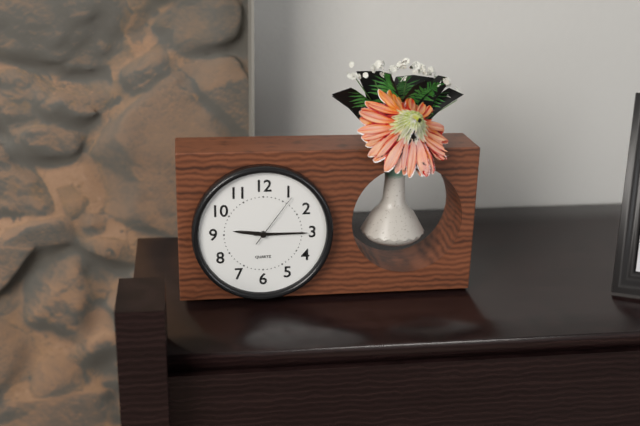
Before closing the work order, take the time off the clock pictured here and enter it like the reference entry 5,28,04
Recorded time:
9,15,06
